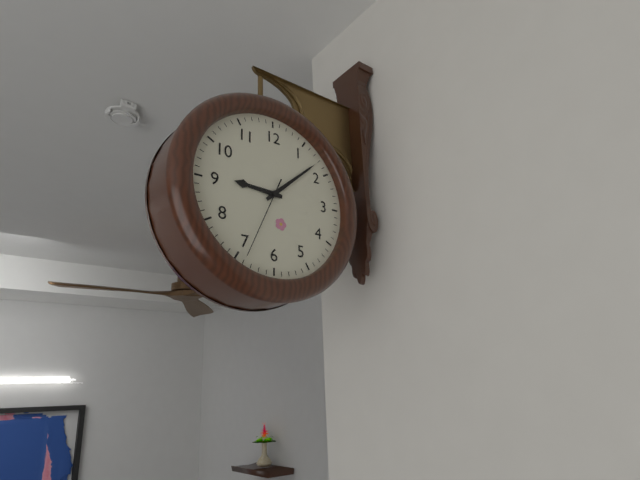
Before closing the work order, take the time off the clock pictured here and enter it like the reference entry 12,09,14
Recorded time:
9,08,34
